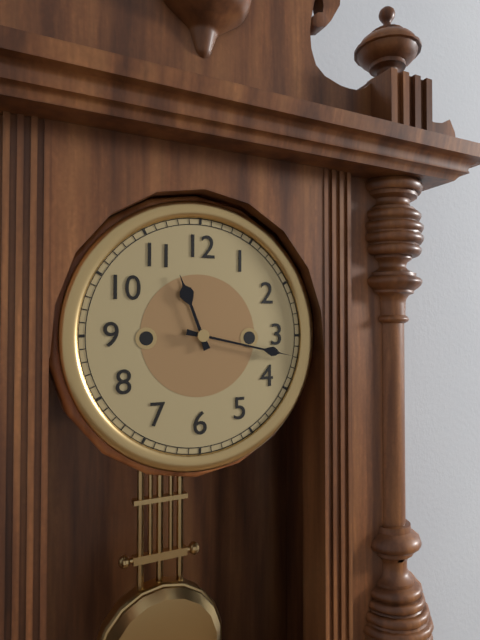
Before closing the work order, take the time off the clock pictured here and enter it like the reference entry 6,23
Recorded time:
11,17
